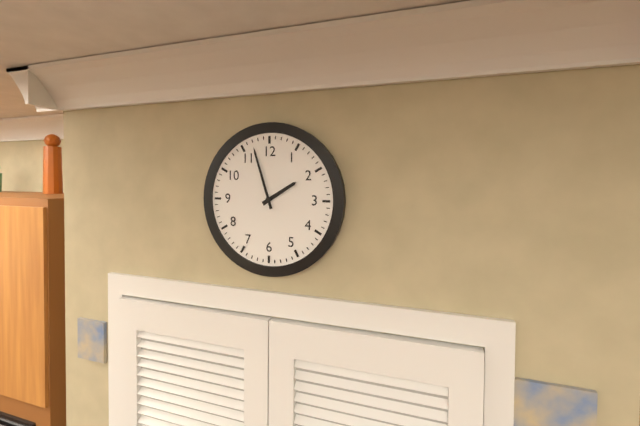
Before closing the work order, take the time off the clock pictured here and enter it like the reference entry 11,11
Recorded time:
1,57
